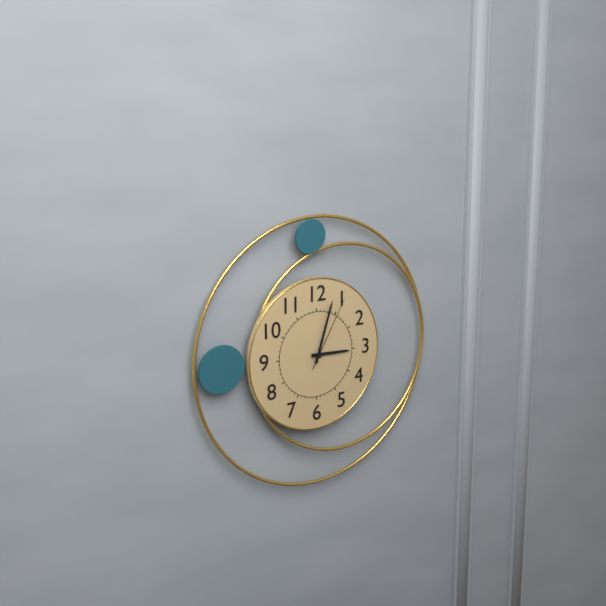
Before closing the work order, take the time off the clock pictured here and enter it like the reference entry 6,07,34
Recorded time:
3,03,05
